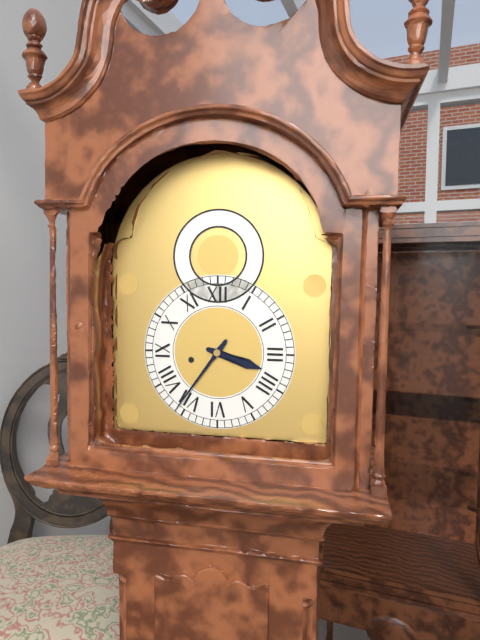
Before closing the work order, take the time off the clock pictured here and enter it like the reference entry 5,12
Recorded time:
3,36
